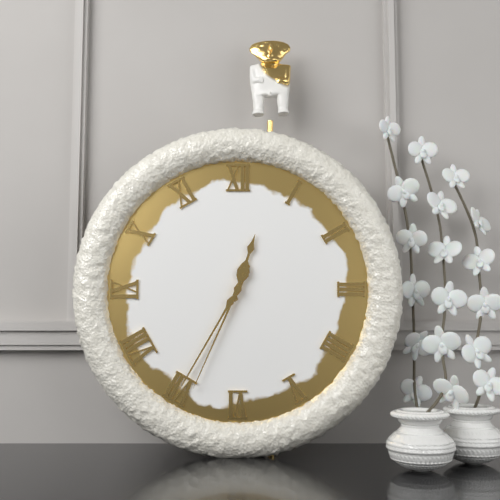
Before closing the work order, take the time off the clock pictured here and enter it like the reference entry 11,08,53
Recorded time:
12,35,34
